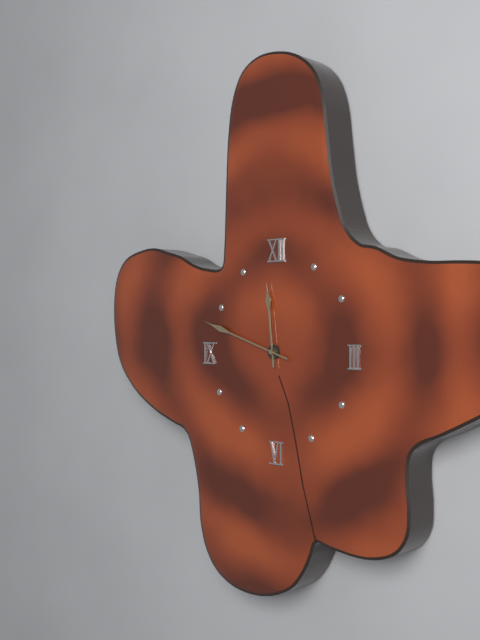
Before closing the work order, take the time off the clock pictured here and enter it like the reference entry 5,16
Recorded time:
11,48
